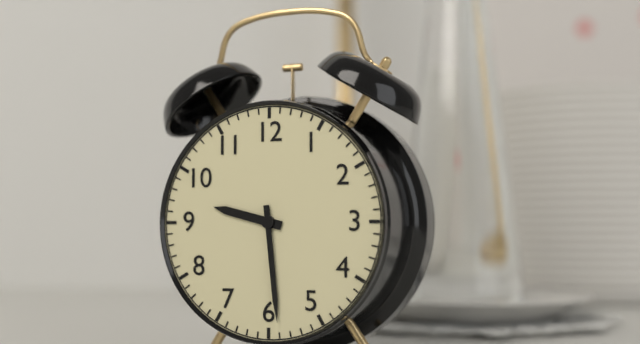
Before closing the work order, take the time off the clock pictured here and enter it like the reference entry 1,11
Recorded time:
9,29
